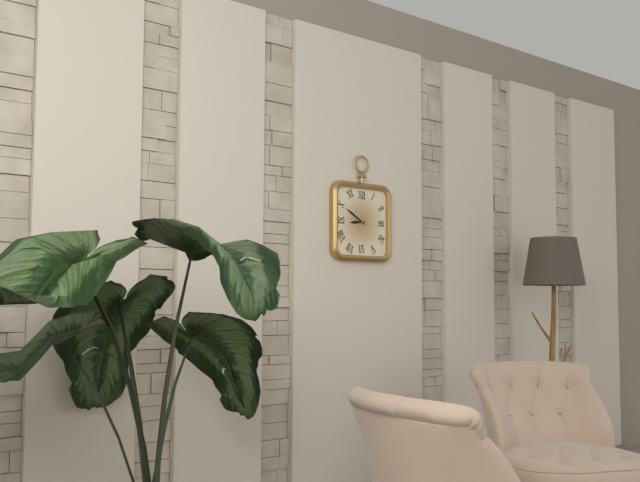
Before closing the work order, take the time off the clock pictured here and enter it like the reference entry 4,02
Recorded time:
8,50
